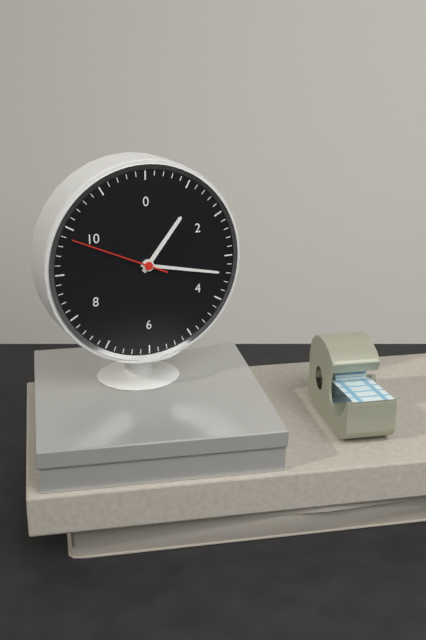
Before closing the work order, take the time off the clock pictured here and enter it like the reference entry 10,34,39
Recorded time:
1,17,49
